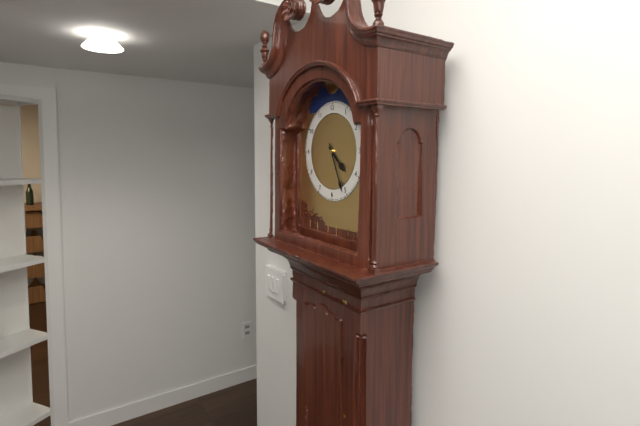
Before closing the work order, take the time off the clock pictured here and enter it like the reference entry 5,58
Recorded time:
4,26
